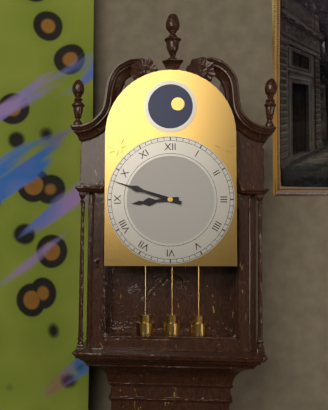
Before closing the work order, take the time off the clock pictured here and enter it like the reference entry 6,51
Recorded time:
8,48
